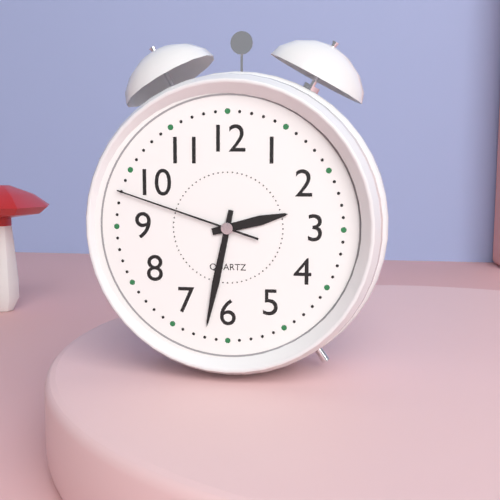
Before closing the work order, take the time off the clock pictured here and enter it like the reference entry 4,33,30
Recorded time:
2,32,48
